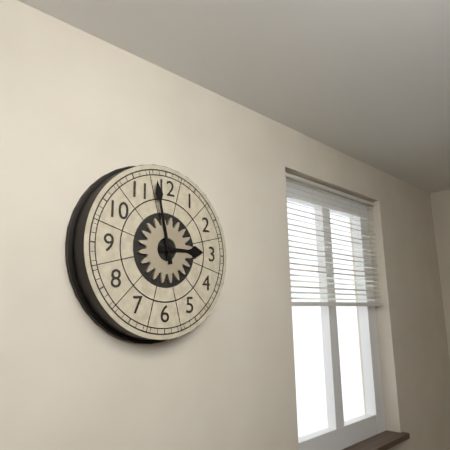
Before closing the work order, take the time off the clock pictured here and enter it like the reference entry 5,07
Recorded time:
2,58
